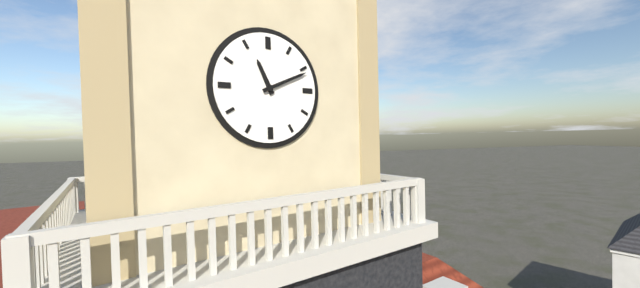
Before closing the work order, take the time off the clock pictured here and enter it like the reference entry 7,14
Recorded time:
11,11
